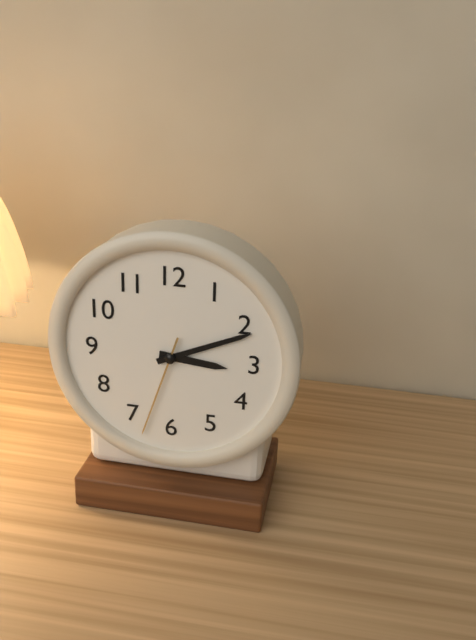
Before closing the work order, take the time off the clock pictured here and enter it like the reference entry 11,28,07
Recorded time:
3,11,33
